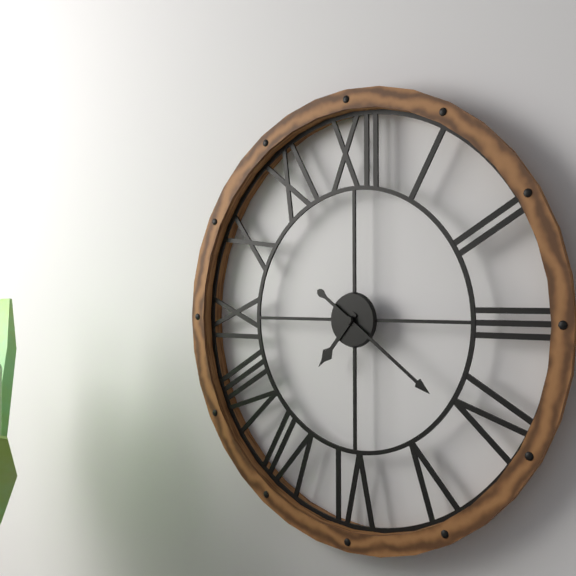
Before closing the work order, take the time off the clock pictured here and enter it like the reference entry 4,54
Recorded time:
7,21
